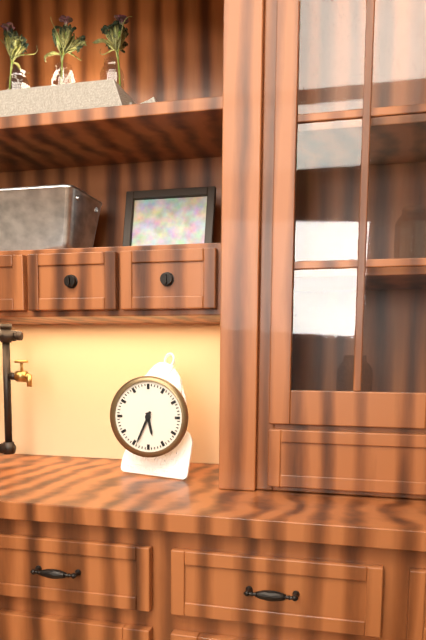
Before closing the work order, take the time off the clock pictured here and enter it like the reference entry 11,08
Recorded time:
5,34
